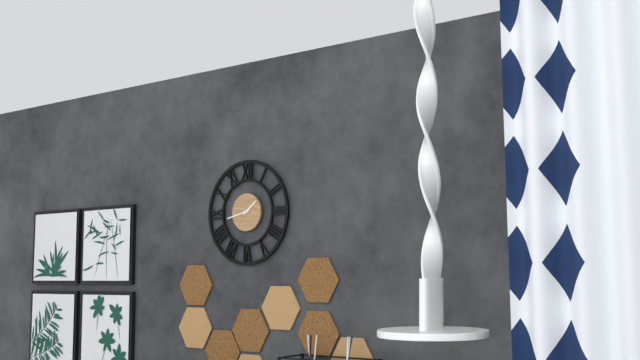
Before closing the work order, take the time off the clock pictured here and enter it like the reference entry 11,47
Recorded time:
1,43
